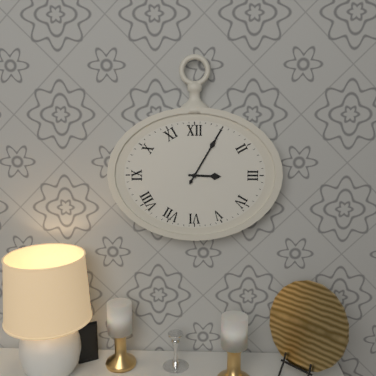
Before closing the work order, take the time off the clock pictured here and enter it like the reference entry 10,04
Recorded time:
3,05
